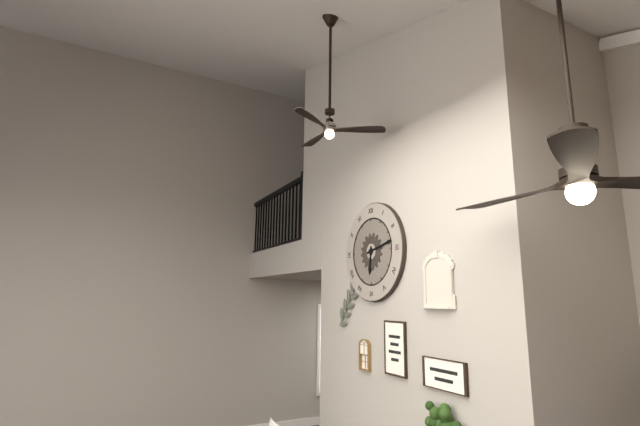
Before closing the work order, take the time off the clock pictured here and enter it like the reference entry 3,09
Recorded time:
6,13
